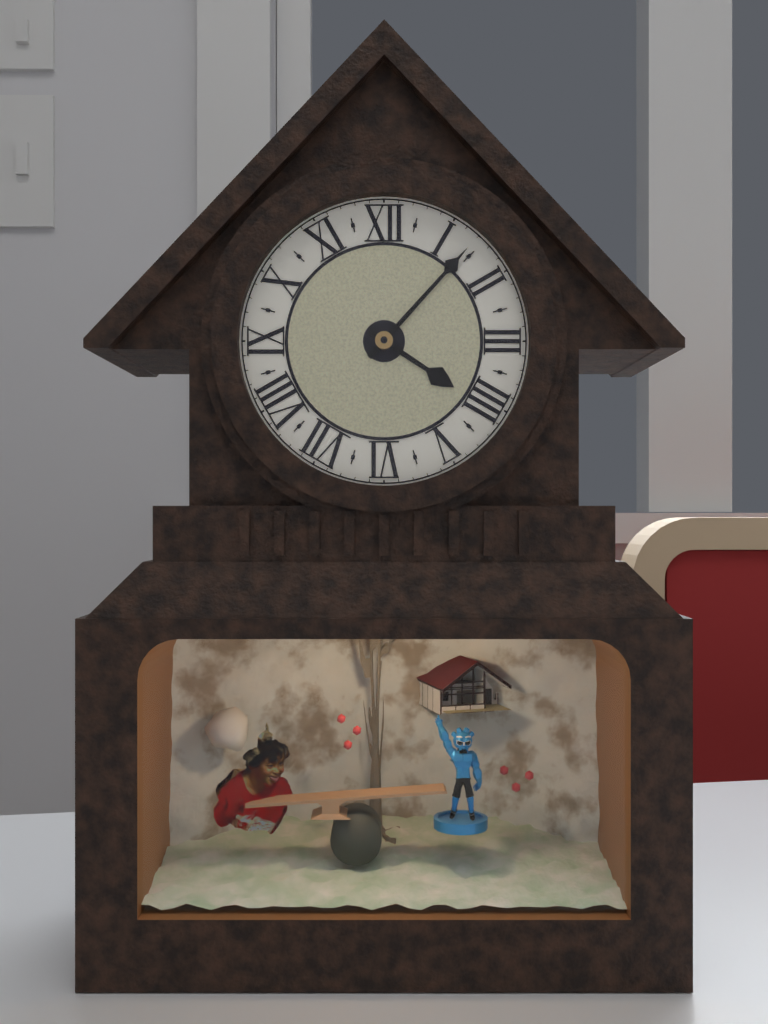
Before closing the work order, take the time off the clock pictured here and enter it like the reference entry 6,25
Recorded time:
4,07
